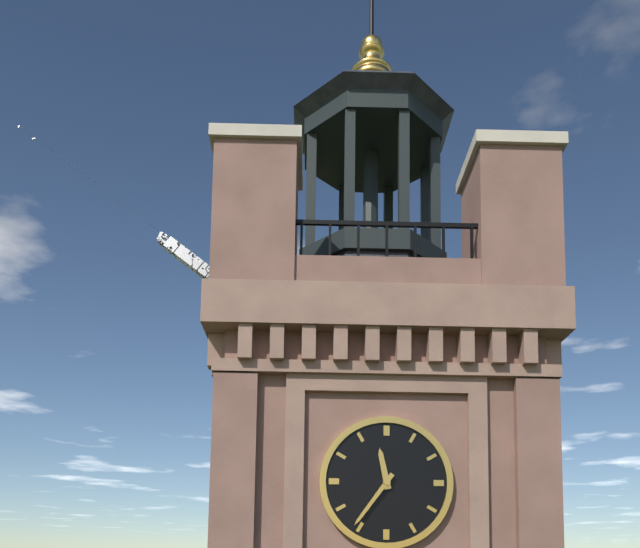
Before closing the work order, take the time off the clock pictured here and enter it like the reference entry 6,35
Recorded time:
11,36
